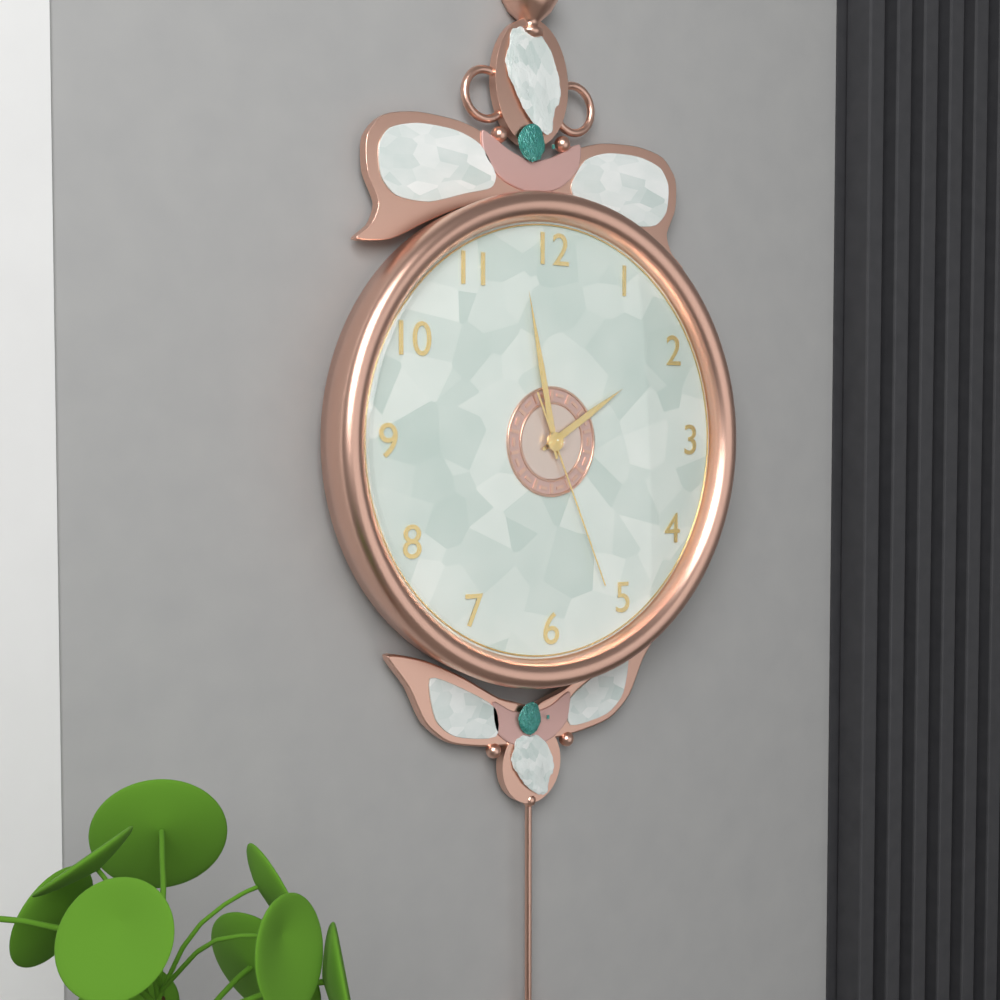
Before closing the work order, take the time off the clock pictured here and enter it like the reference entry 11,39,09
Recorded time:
1,58,26
